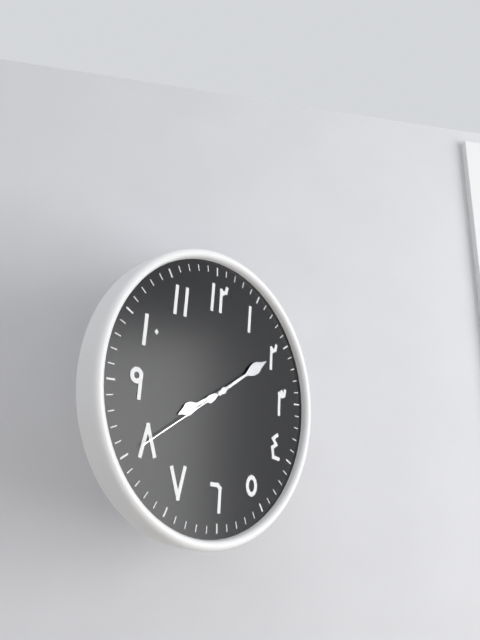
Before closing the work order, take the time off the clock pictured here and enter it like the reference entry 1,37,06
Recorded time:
8,10,40
